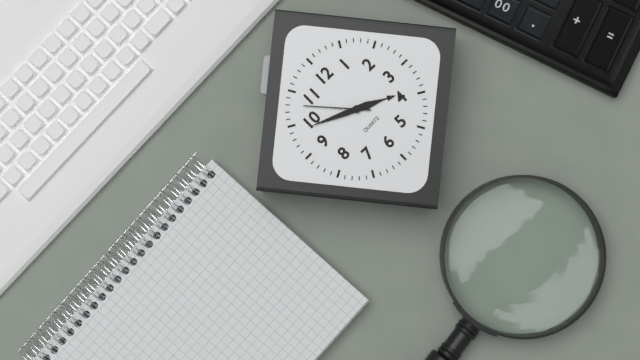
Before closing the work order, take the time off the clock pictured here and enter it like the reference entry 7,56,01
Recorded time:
3,49,53
